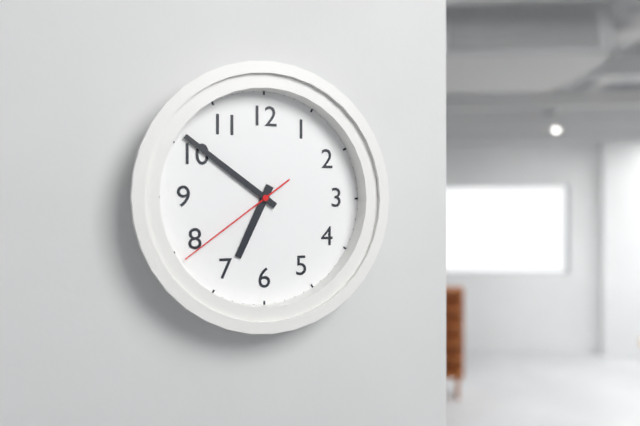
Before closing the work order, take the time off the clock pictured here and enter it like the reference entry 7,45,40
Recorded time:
6,51,39
